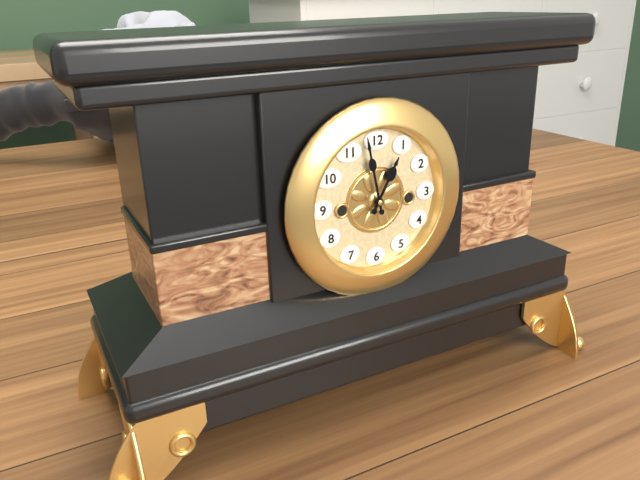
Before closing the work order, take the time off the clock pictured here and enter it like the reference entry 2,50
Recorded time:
12,58
